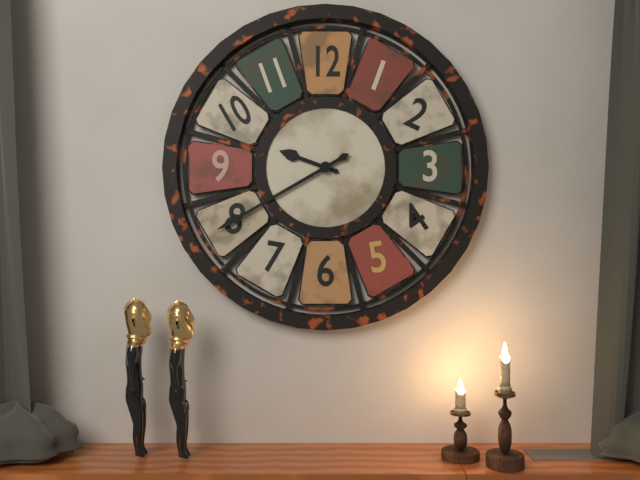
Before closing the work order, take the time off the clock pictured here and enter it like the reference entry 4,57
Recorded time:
9,40
